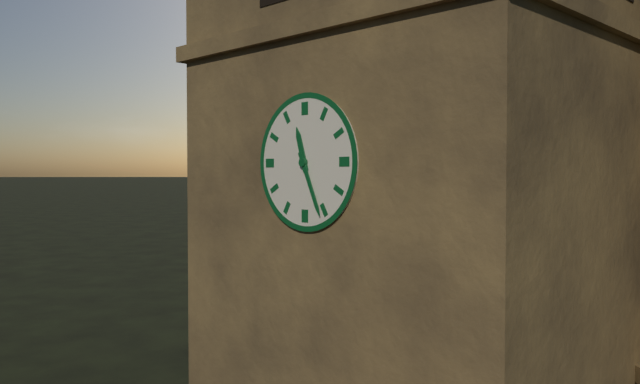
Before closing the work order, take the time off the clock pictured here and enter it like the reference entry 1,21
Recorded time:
11,26
